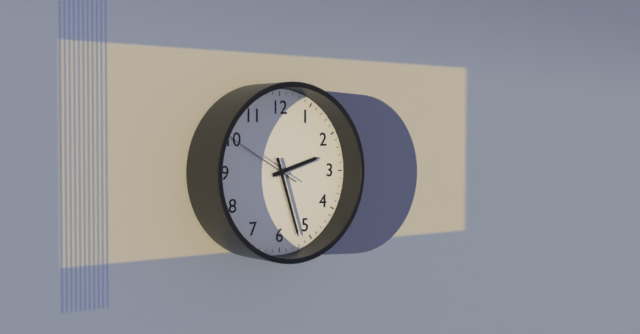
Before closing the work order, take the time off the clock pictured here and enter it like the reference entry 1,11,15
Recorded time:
2,27,50
